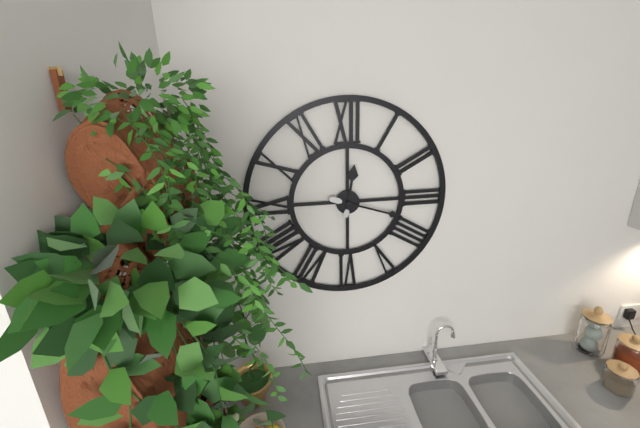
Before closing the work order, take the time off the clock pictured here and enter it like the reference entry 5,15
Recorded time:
12,18
